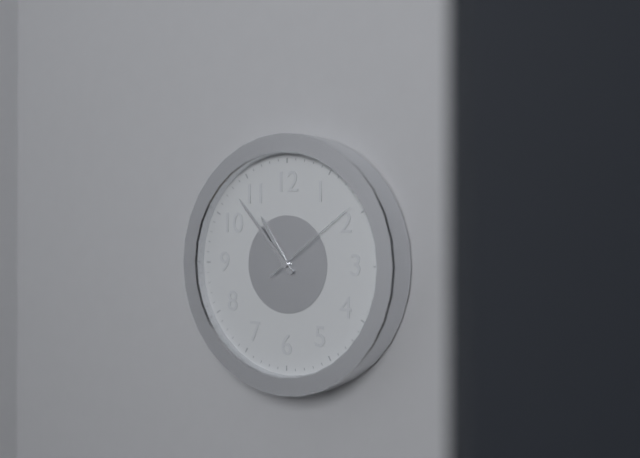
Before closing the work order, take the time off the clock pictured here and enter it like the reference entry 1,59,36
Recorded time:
10,53,09
